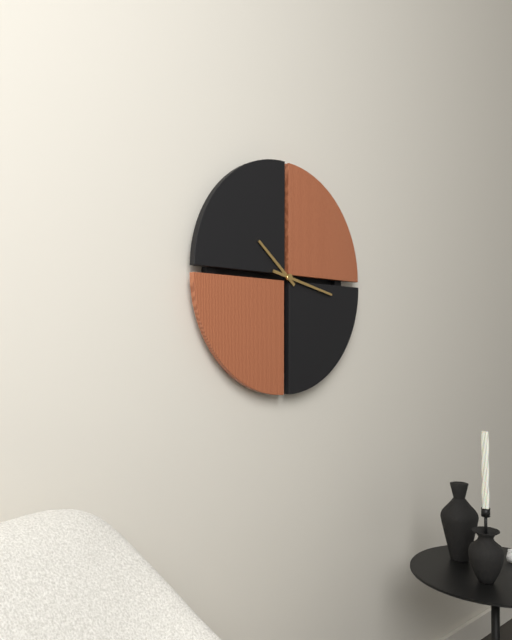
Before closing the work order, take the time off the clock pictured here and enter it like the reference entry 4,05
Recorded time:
10,17
